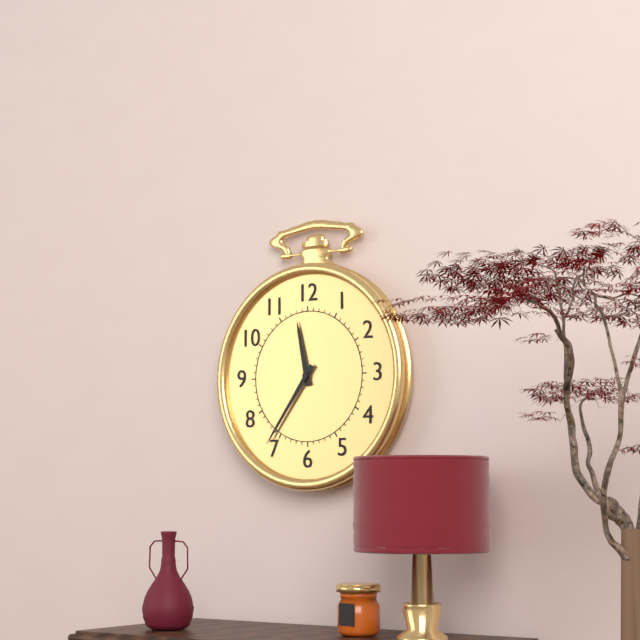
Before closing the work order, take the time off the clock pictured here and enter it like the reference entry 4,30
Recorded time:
11,36
